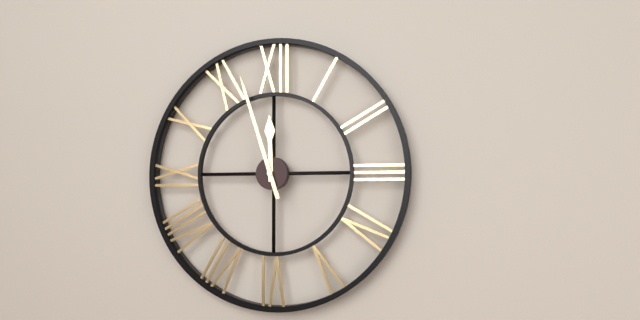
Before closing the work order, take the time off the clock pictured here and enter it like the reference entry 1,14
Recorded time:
11,57
